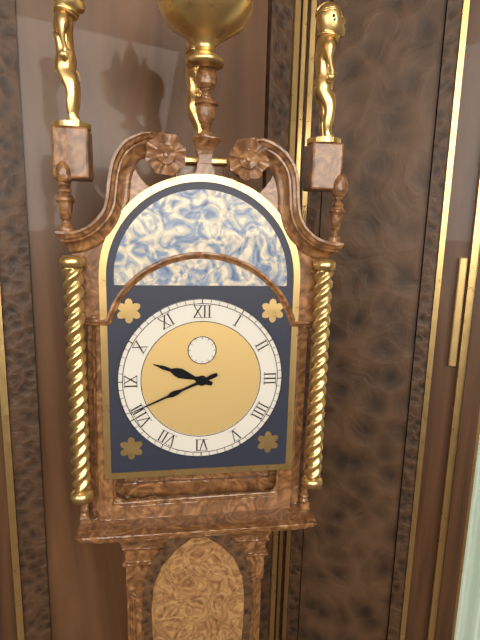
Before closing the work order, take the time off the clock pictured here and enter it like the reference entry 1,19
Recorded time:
9,41
